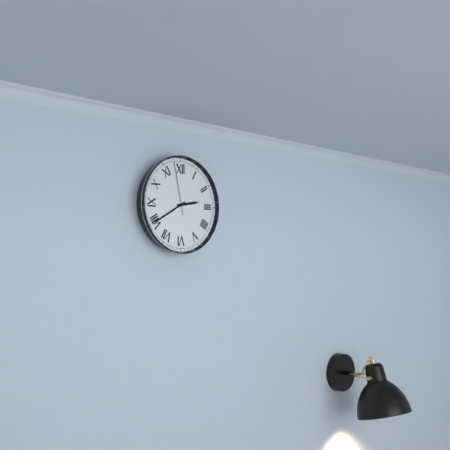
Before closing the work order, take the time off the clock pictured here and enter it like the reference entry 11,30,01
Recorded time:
2,40,58
